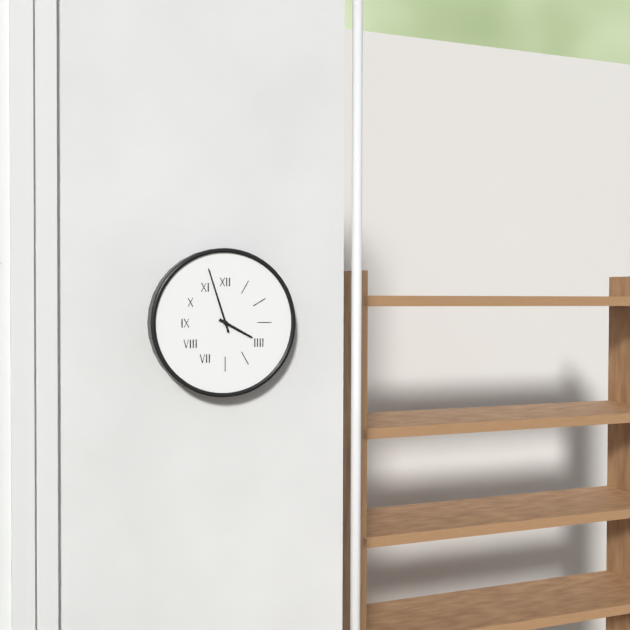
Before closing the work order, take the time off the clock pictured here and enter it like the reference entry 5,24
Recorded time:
3,57
